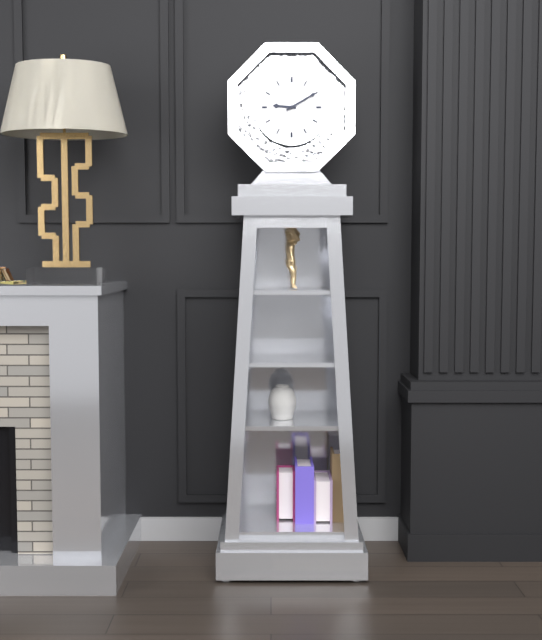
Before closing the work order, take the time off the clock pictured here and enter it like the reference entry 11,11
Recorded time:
9,10
